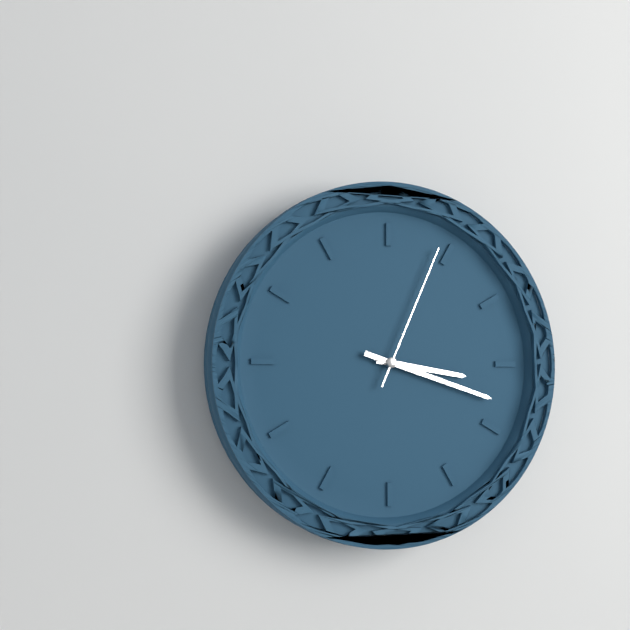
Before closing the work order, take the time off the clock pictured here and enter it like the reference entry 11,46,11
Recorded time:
3,18,04
